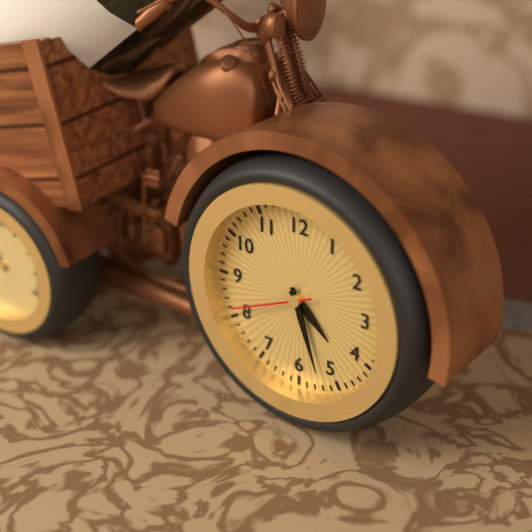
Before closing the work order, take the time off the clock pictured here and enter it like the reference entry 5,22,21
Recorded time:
4,27,41
